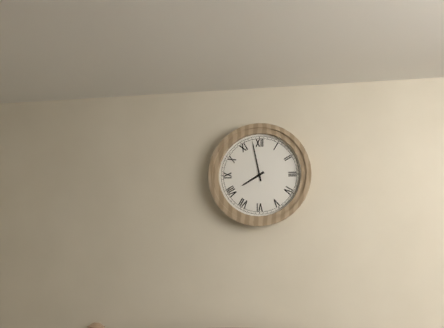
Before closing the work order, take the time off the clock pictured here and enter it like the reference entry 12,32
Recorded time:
7,58
